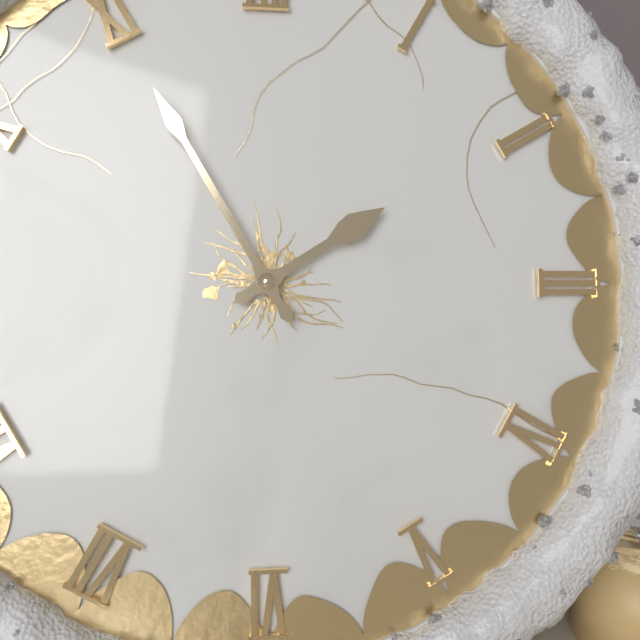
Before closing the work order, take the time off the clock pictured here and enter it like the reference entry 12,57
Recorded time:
1,55
